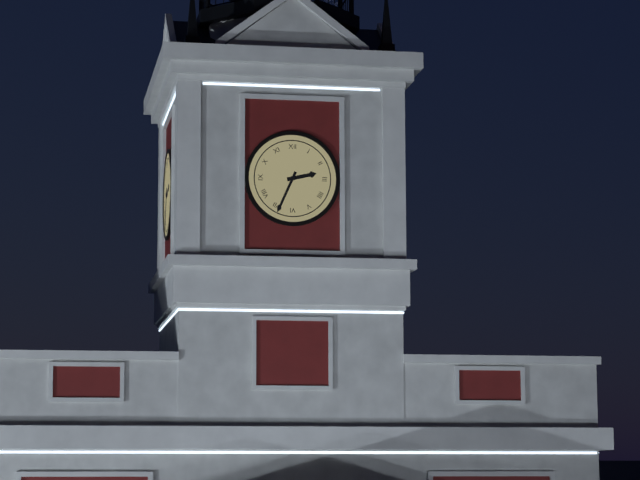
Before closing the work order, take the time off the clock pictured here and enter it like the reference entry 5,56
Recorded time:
2,34
